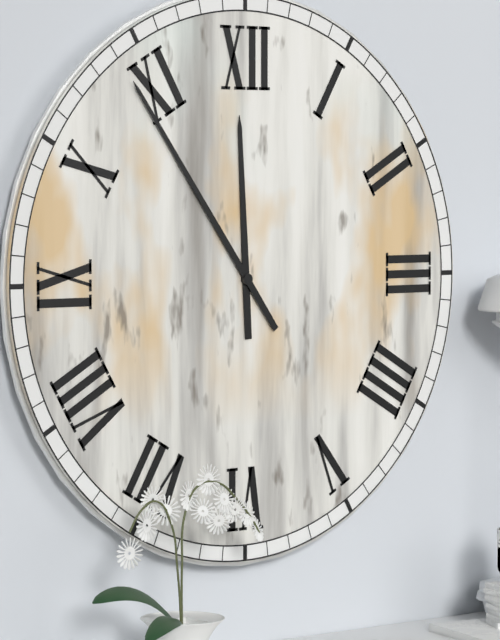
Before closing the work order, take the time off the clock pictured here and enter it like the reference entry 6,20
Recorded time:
11,54
